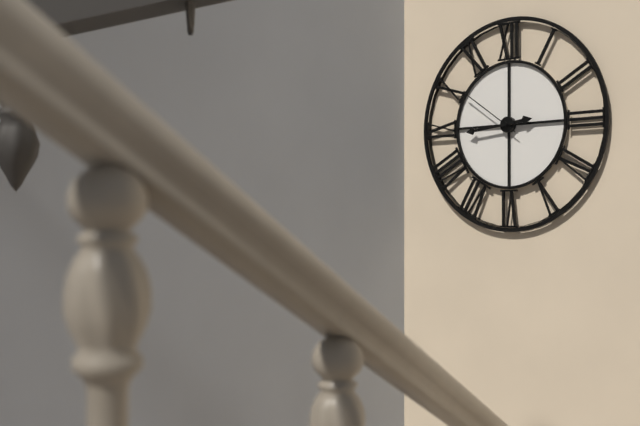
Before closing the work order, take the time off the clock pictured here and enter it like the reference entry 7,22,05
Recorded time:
2,44,51
